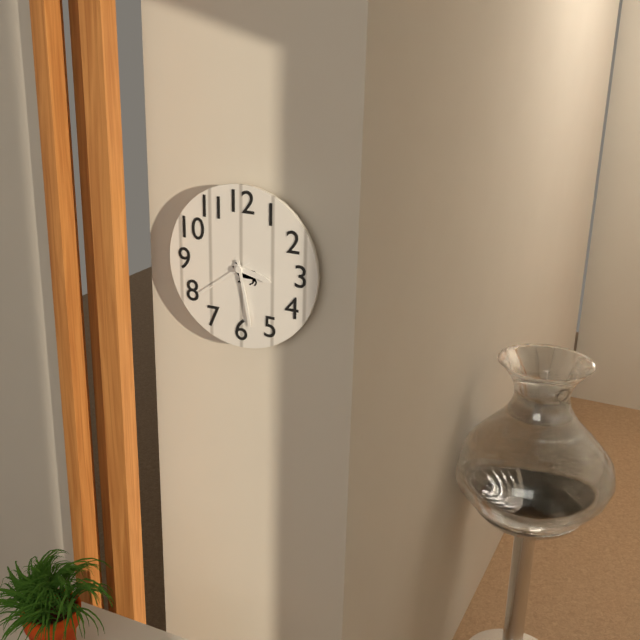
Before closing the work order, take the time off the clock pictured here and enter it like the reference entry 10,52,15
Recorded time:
3,28,39
